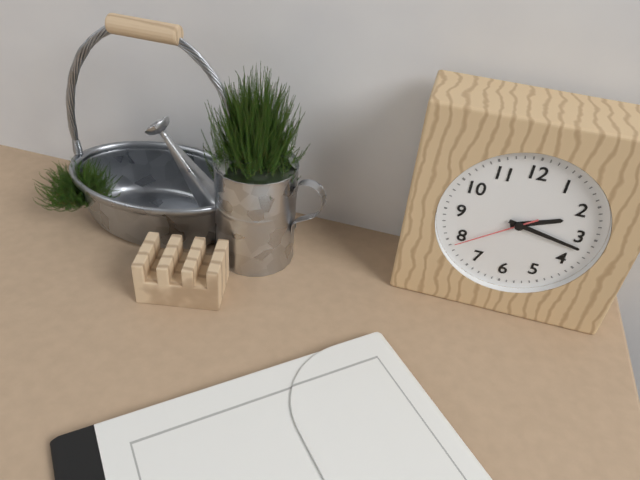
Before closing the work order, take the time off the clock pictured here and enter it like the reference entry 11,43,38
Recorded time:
2,17,39
